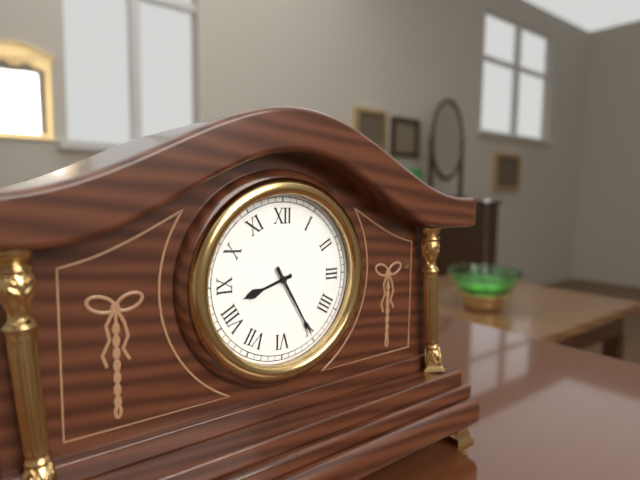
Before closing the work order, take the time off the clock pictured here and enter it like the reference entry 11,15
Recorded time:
8,25
